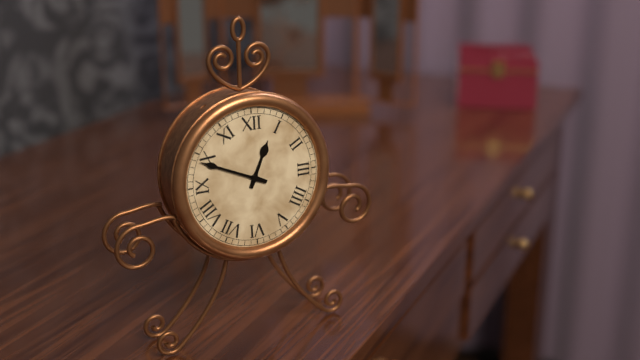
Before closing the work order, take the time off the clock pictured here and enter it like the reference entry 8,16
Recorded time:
12,49
